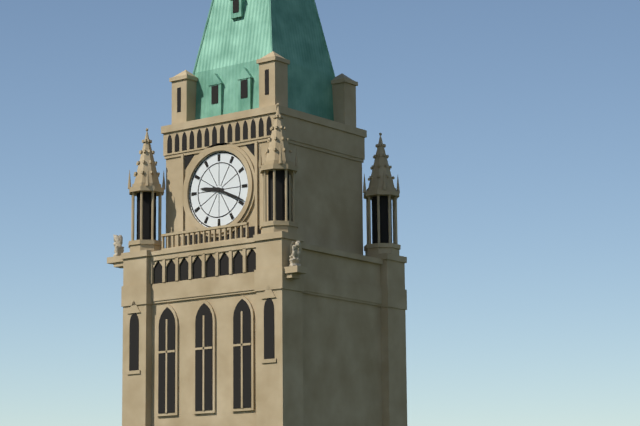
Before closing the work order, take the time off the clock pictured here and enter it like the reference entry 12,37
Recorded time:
9,19
